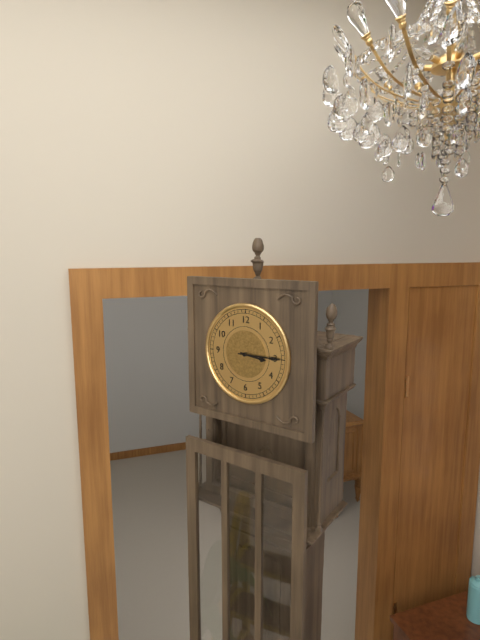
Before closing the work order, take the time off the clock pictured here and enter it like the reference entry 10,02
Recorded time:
3,15
